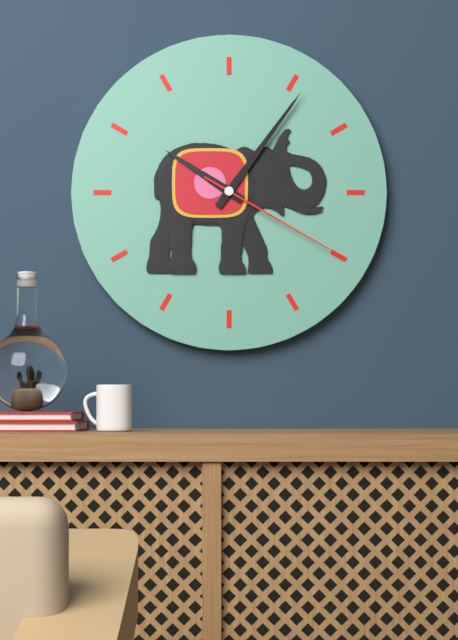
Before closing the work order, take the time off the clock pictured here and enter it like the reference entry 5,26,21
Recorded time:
10,06,20
